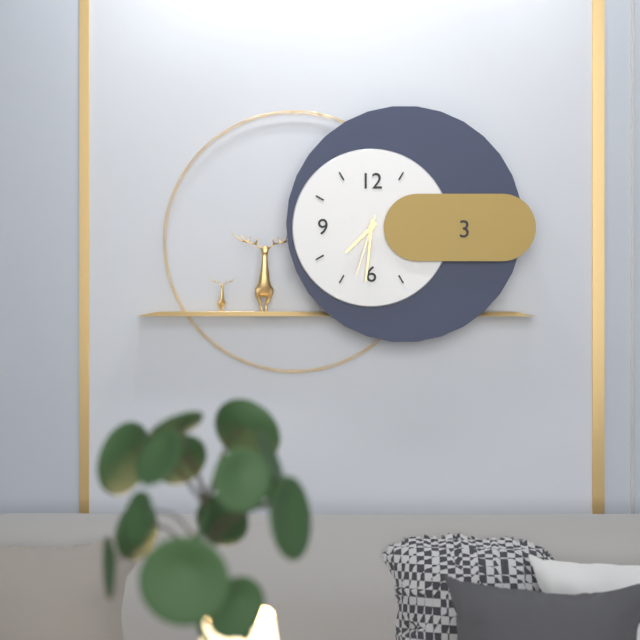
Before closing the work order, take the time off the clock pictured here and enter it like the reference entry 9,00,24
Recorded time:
7,31,33
